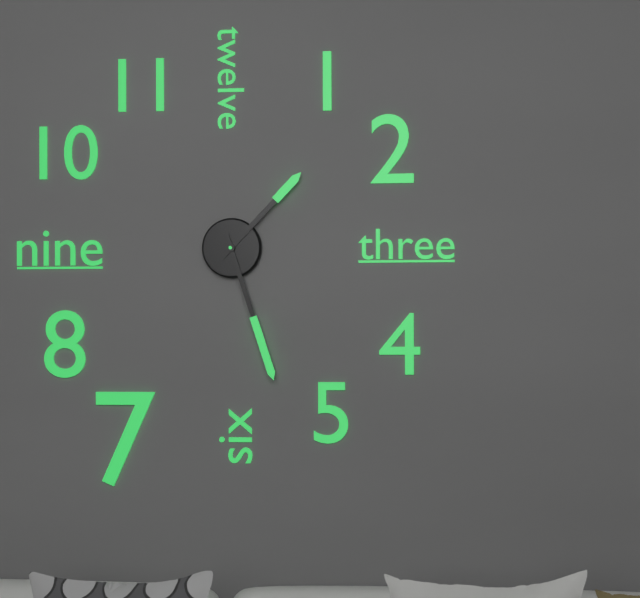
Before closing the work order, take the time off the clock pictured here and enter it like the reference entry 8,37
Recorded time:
1,27
